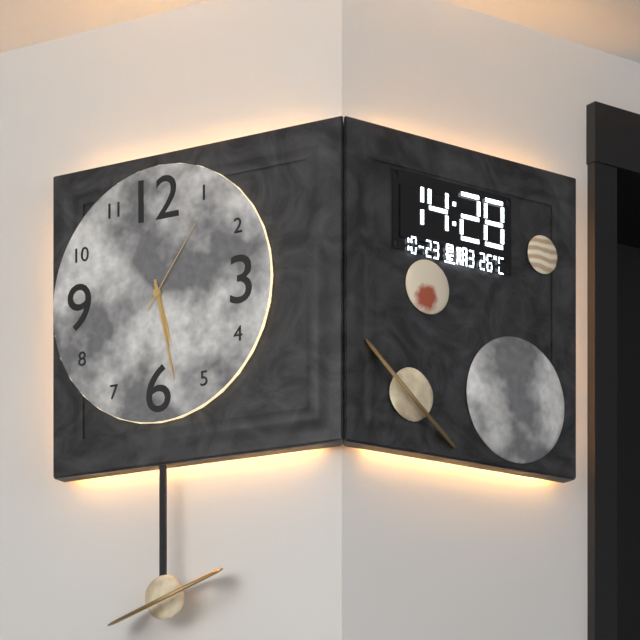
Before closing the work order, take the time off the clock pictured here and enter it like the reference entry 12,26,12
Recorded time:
5,28,06
